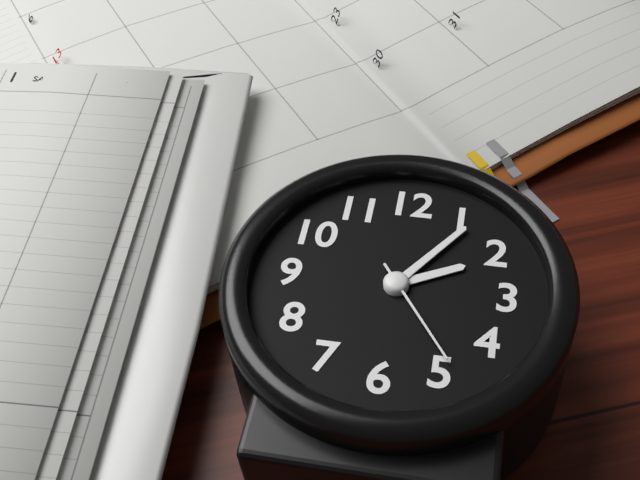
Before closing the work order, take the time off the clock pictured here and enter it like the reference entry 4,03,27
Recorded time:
2,06,24
